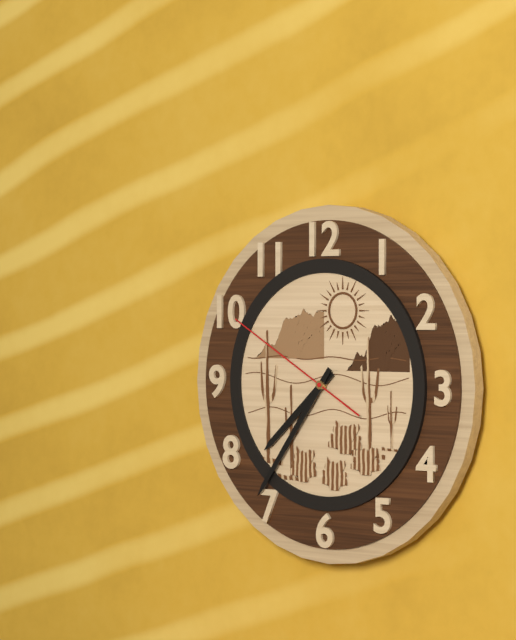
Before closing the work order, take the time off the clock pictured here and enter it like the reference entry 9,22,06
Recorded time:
7,36,50
